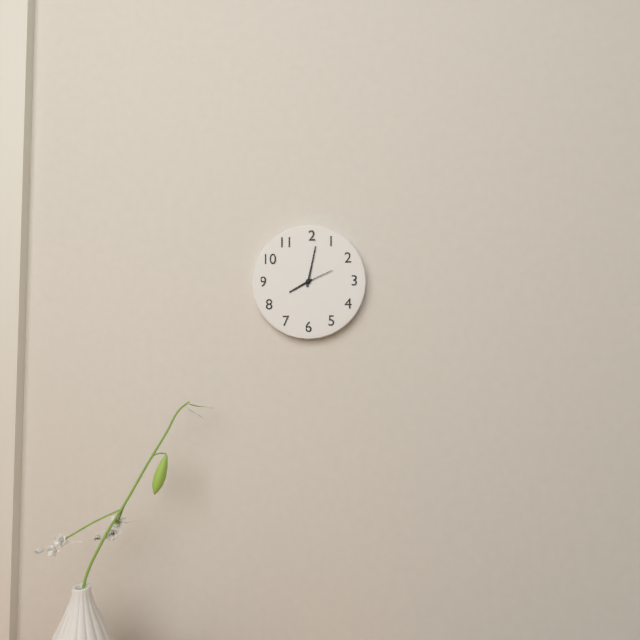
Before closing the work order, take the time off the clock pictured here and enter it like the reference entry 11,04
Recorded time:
8,02
